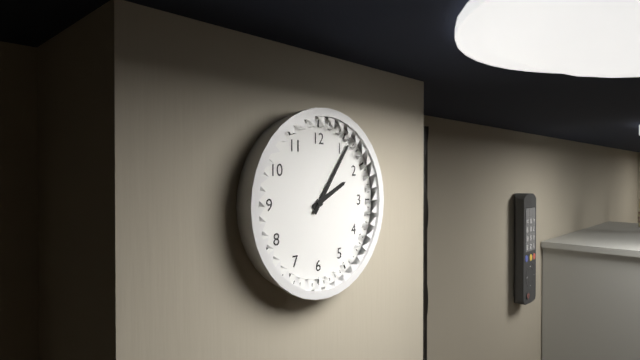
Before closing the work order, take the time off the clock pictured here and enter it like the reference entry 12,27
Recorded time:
2,06
